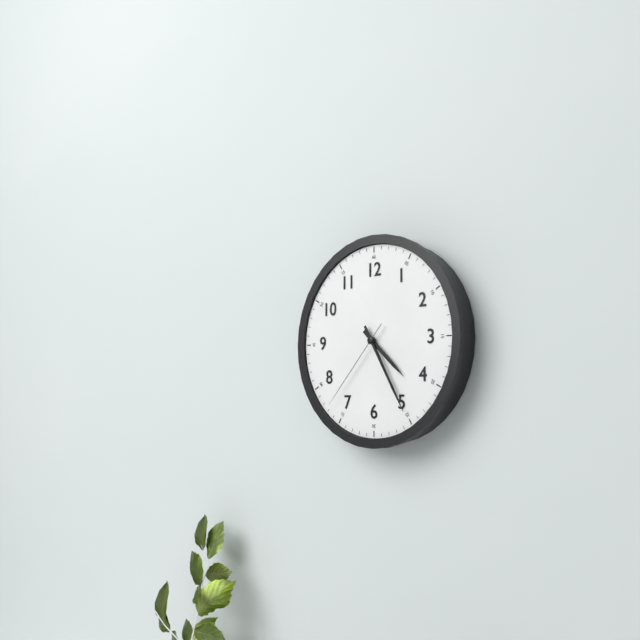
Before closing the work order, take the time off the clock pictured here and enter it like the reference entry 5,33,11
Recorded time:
4,25,37
